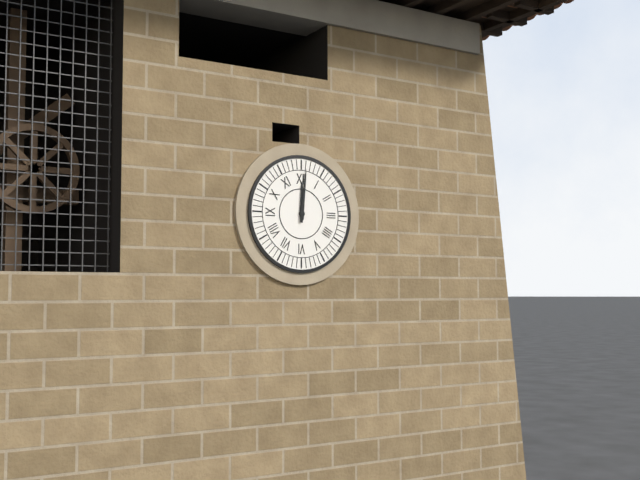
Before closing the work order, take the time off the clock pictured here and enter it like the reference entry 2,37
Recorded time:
12,01
